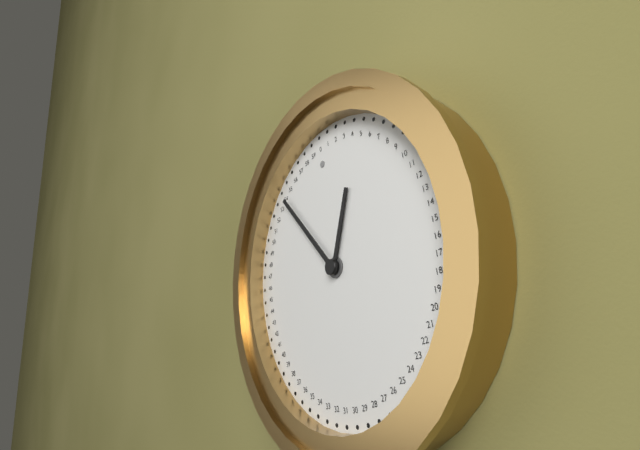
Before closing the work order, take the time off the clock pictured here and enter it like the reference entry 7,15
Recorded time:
12,54
